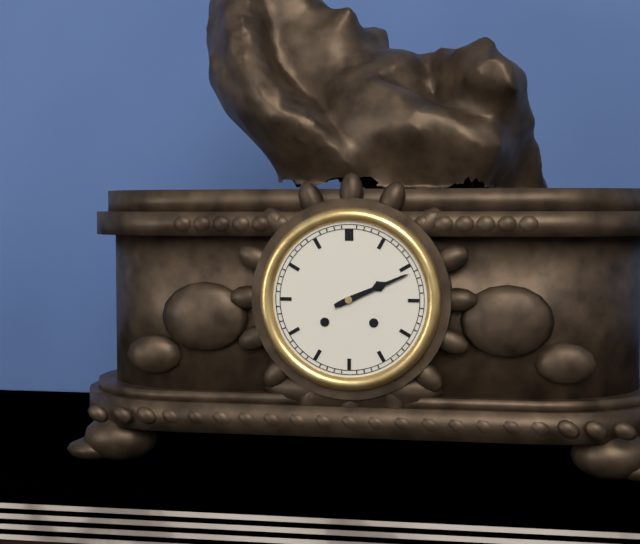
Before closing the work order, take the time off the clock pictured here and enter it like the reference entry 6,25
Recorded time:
2,11
